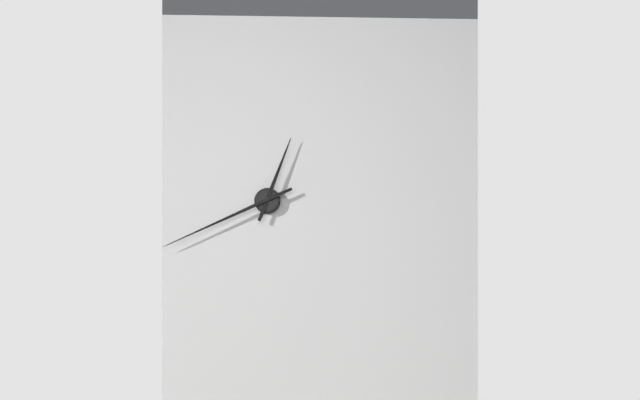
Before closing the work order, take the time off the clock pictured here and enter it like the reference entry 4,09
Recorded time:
12,41
